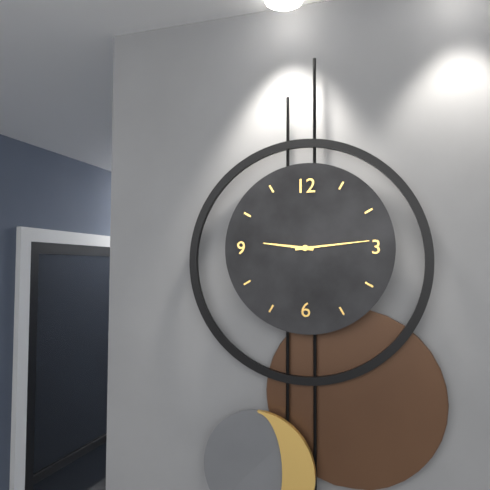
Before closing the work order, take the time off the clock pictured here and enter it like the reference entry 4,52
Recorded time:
9,14
